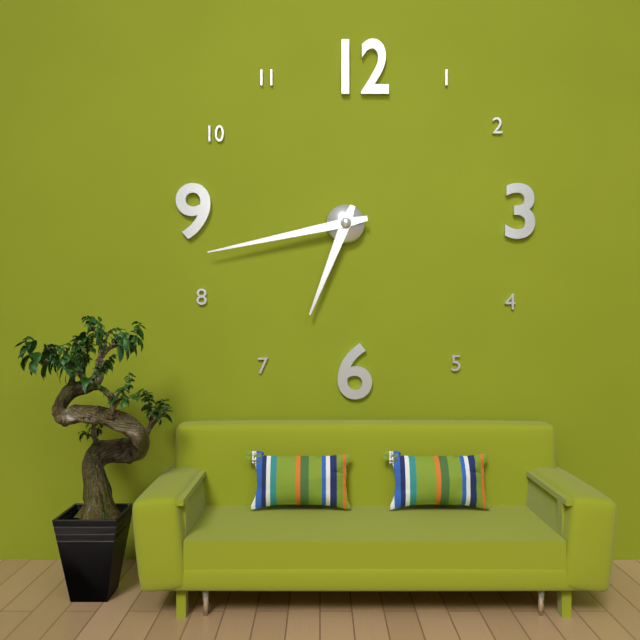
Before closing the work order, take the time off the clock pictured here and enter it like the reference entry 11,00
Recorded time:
6,43
